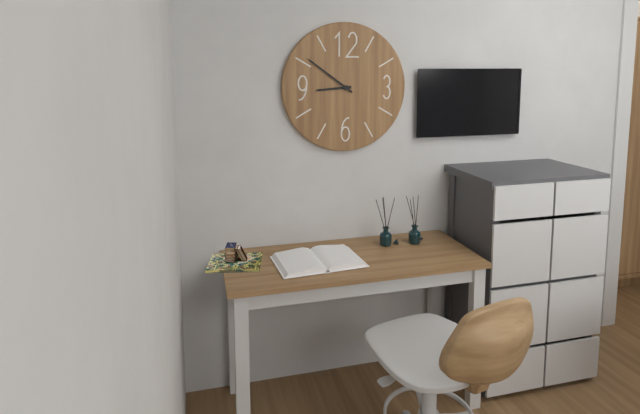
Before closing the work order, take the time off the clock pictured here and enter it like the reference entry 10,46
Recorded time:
8,51
